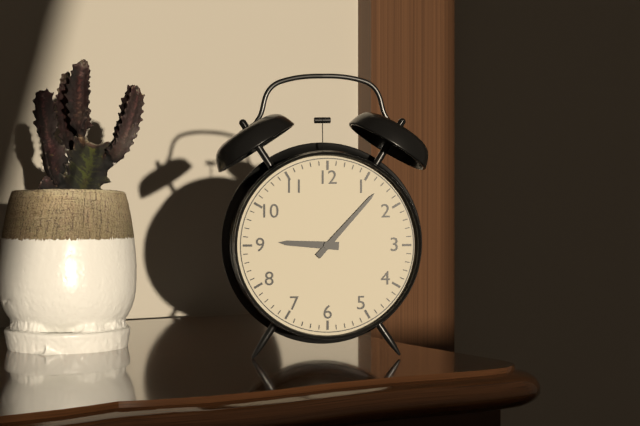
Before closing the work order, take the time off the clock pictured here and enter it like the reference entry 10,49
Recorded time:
9,07
